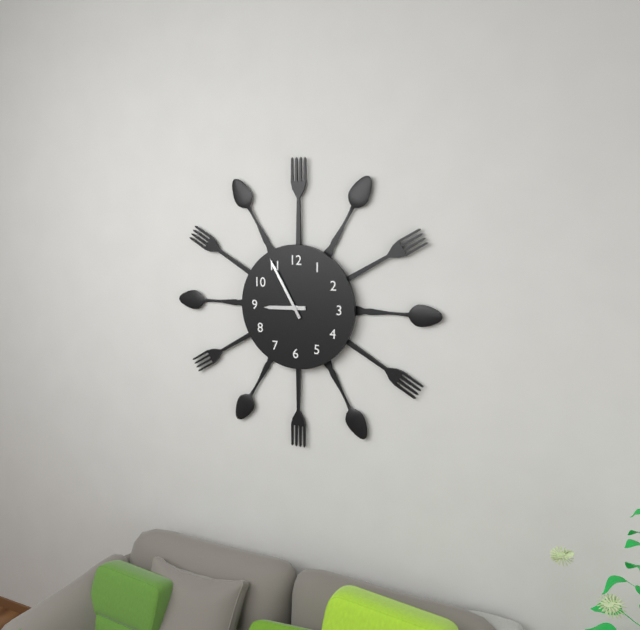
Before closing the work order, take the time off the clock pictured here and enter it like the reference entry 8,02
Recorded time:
8,55
